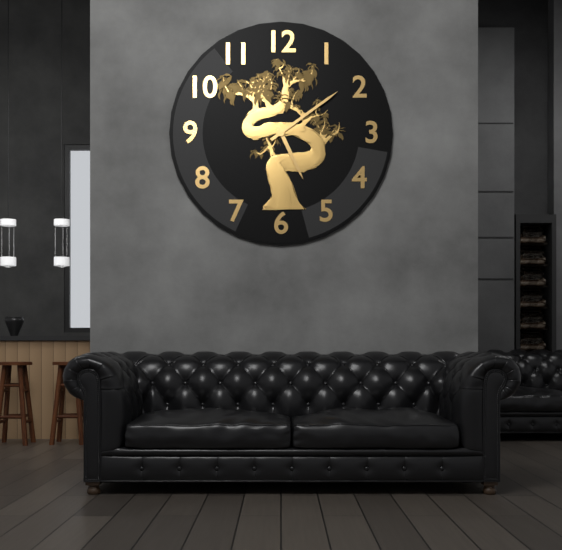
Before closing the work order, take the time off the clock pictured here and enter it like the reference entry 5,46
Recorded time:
5,09
